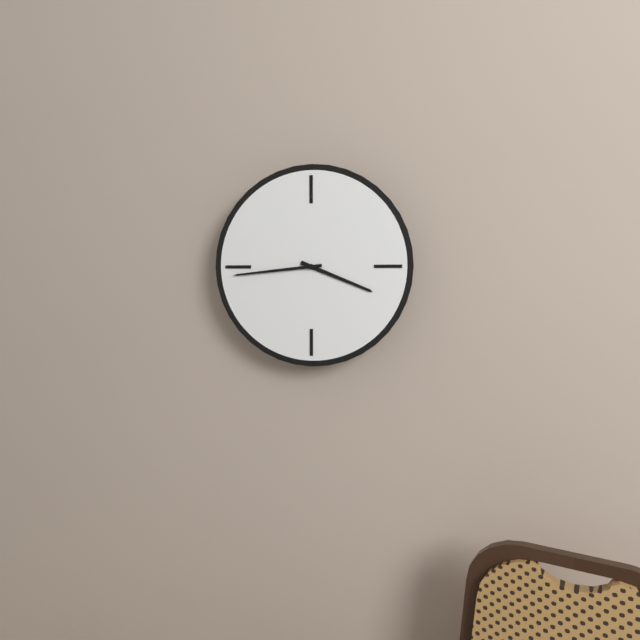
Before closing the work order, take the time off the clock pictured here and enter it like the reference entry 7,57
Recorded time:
3,44
